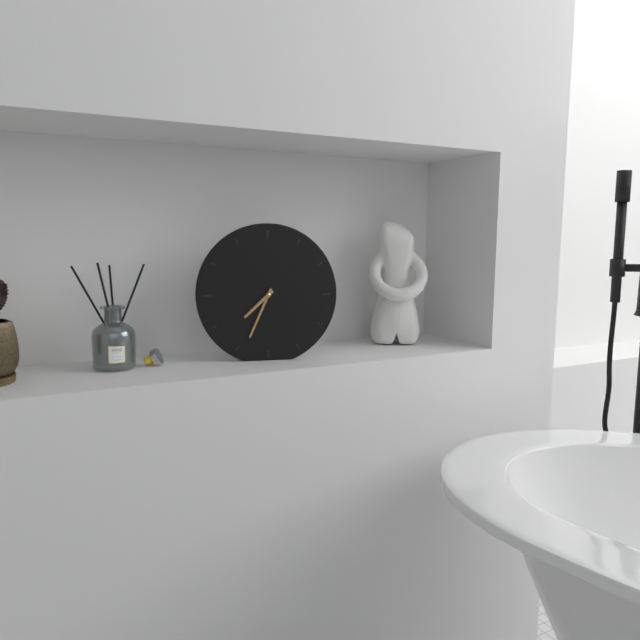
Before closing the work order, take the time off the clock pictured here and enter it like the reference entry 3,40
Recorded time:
7,34
